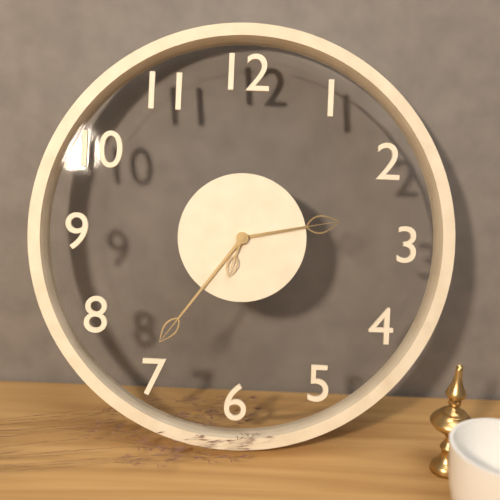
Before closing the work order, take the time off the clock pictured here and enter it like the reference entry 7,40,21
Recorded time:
2,36,33
